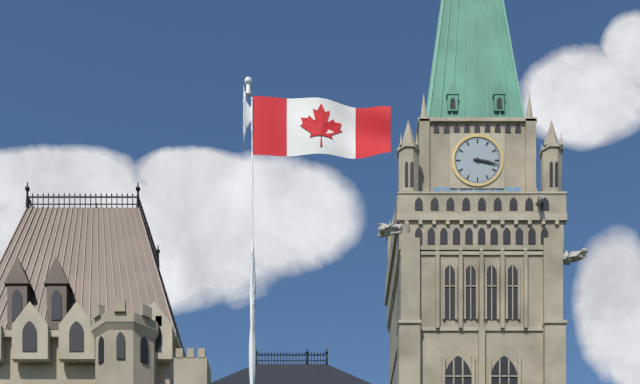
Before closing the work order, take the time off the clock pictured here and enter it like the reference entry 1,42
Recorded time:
3,17
